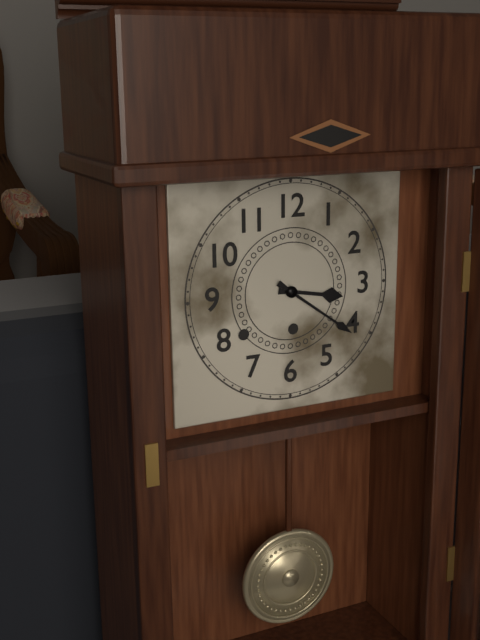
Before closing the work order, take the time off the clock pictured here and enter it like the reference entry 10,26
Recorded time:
3,21
